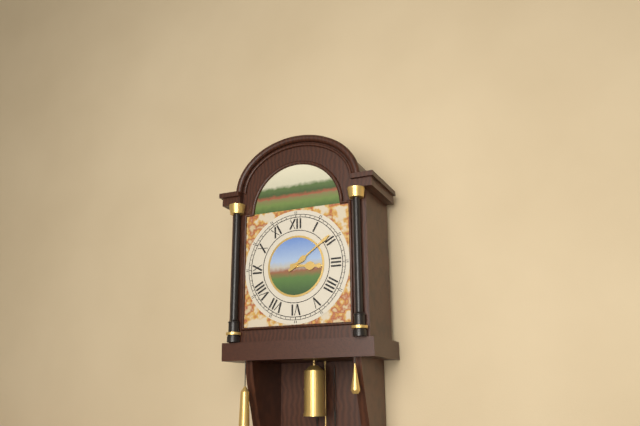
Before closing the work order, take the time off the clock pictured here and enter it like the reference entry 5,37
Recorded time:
3,09
